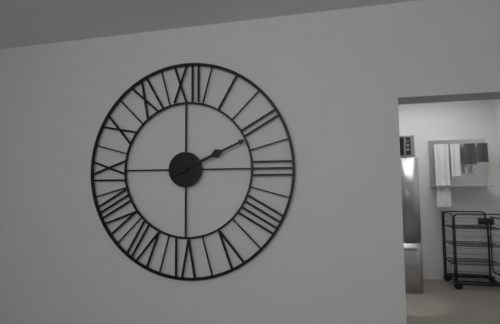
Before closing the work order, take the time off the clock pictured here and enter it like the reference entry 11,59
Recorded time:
2,11
